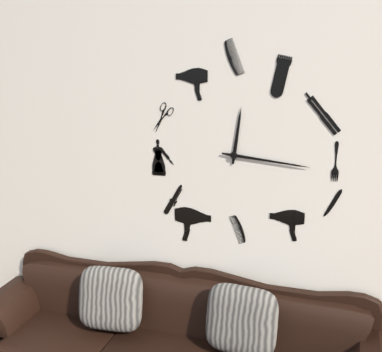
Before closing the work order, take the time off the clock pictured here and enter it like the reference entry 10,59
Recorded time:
12,16
